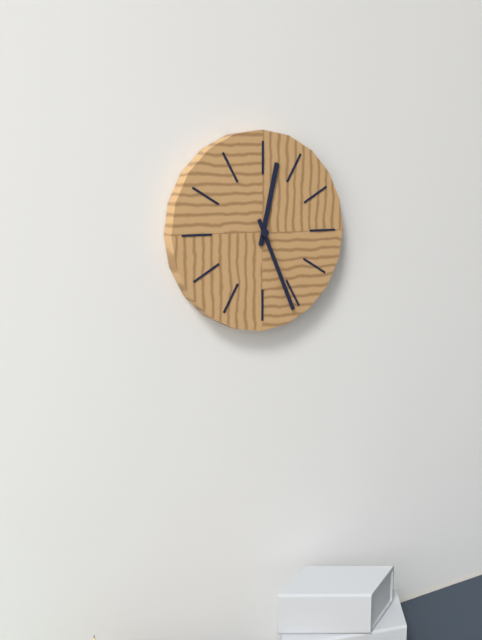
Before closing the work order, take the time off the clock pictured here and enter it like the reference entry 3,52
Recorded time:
12,26
